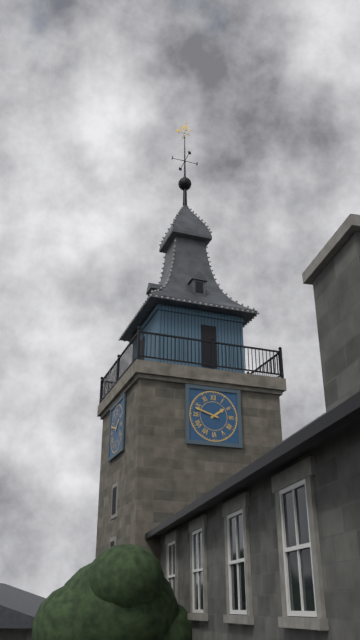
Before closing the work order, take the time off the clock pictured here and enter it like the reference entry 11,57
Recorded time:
1,48
